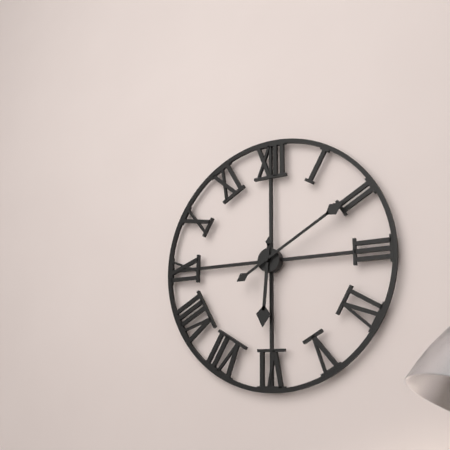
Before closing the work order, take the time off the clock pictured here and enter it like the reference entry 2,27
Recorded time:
6,10
